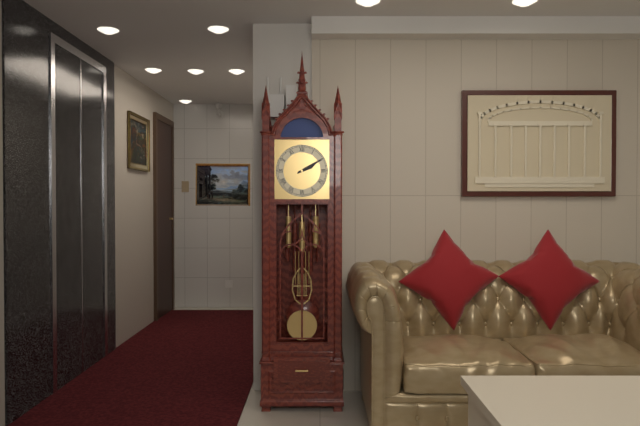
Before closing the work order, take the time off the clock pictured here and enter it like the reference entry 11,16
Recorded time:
2,10
